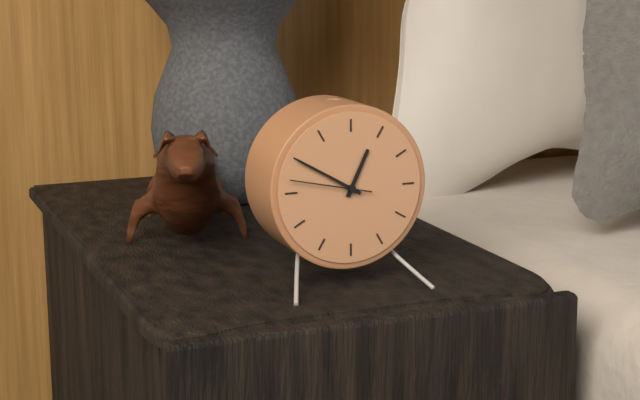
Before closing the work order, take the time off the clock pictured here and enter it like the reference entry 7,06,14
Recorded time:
12,50,47
